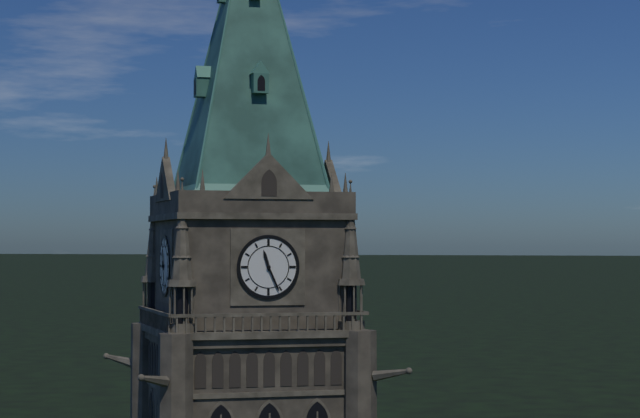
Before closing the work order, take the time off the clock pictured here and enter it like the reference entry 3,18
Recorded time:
11,26
